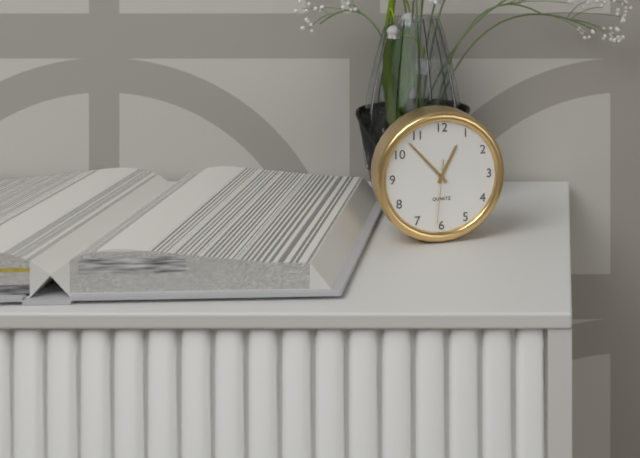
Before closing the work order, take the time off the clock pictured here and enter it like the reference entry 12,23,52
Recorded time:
12,53,31
